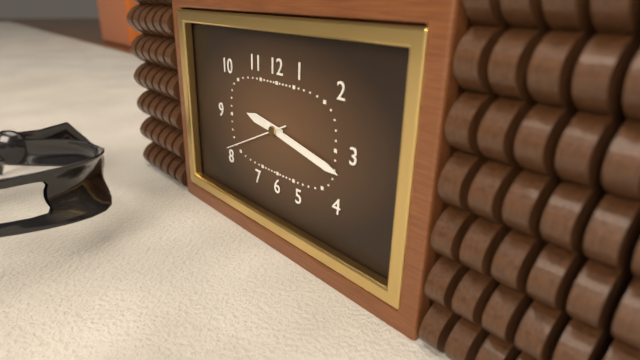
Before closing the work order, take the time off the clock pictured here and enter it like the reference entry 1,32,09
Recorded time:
9,17,41
